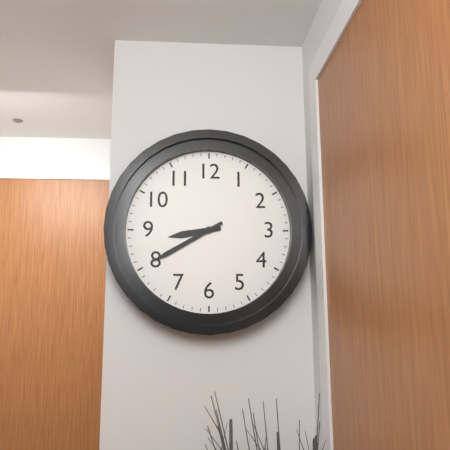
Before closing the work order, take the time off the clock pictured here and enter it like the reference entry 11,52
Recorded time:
8,40
